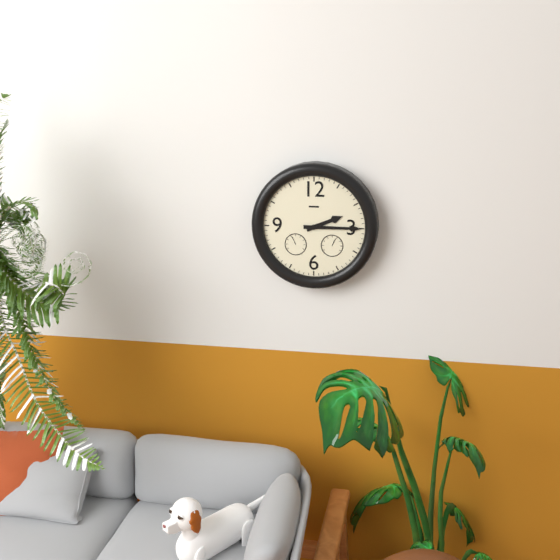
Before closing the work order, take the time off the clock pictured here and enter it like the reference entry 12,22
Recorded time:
2,15
